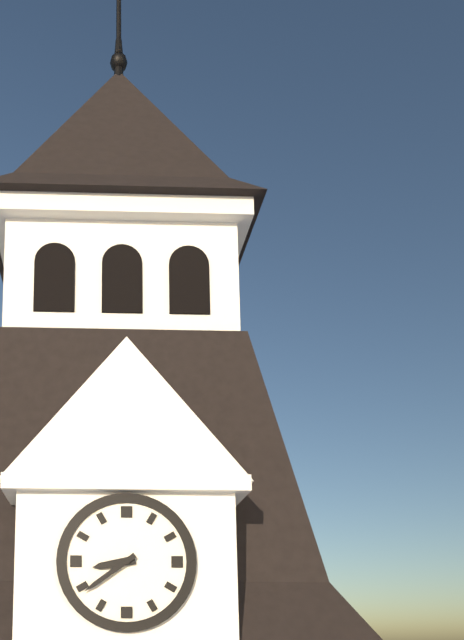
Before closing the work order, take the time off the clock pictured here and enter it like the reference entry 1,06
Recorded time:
8,39
